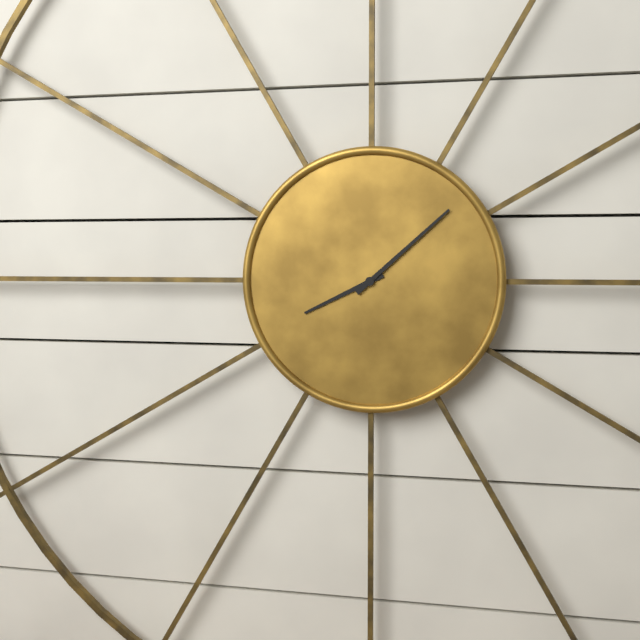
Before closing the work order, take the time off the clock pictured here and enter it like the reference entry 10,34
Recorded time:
8,08
